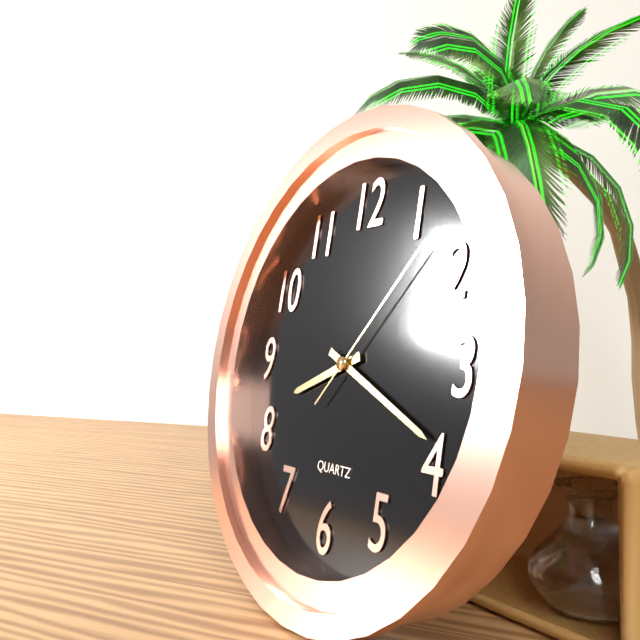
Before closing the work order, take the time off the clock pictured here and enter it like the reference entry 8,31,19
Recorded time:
8,19,07
